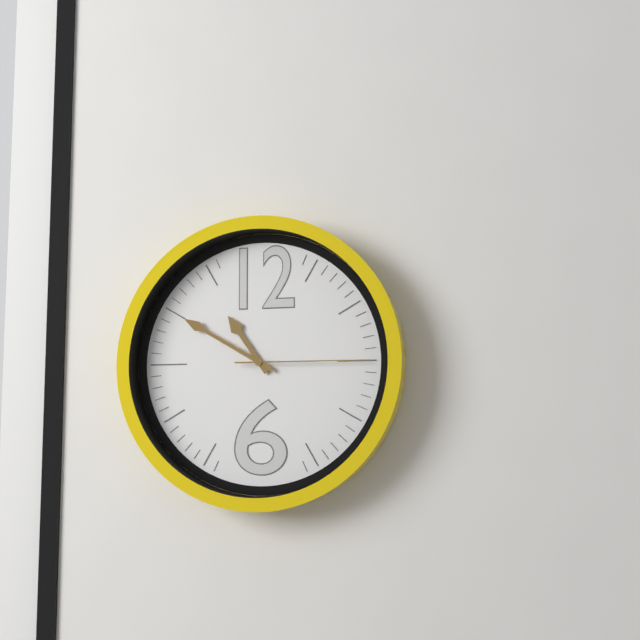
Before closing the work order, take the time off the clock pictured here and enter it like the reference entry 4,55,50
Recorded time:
10,50,15
